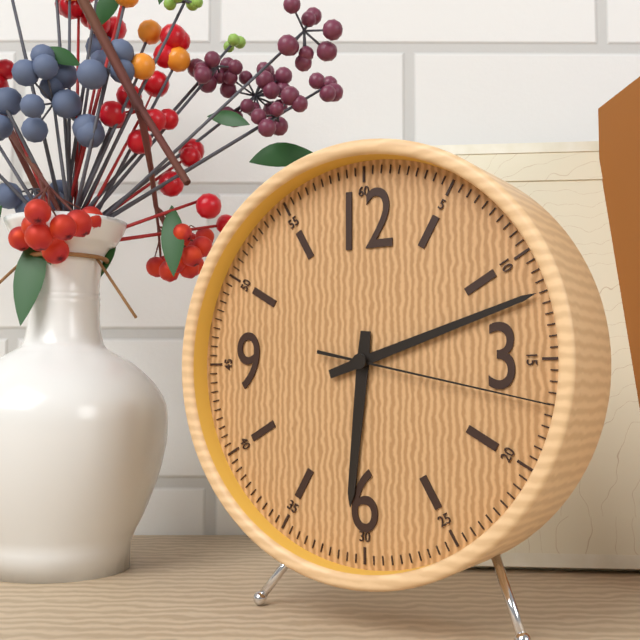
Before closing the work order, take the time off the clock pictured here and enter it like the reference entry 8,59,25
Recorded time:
6,12,17
